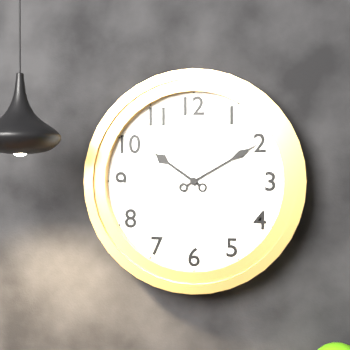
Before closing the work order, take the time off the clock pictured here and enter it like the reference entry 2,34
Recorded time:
10,10
